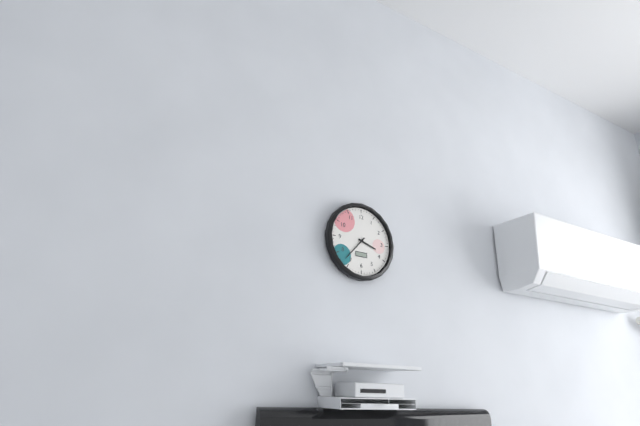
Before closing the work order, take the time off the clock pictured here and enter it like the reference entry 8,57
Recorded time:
3,37
